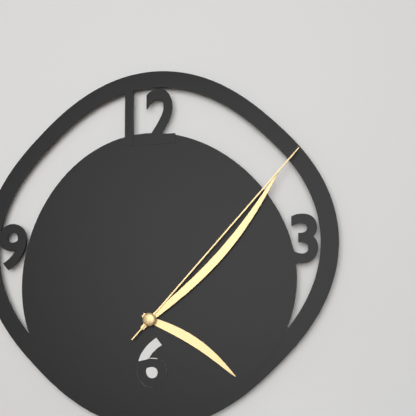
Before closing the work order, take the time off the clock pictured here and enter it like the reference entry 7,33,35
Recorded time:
4,07,07
